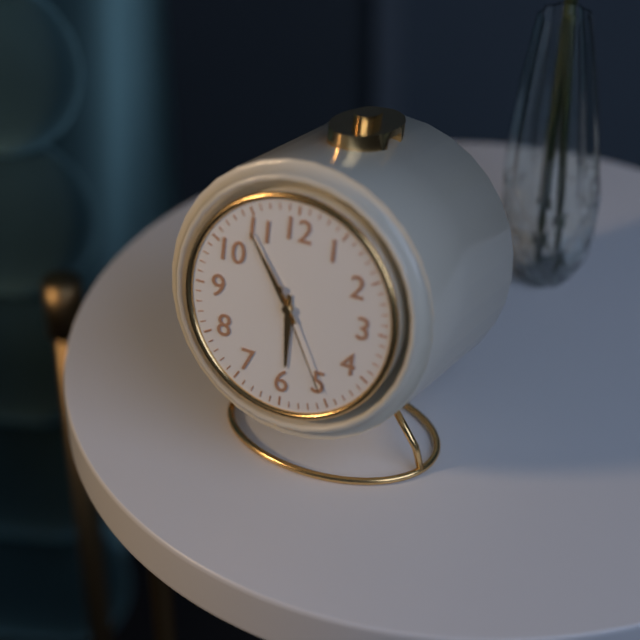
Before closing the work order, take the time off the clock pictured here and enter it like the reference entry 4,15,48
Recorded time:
5,54,25
